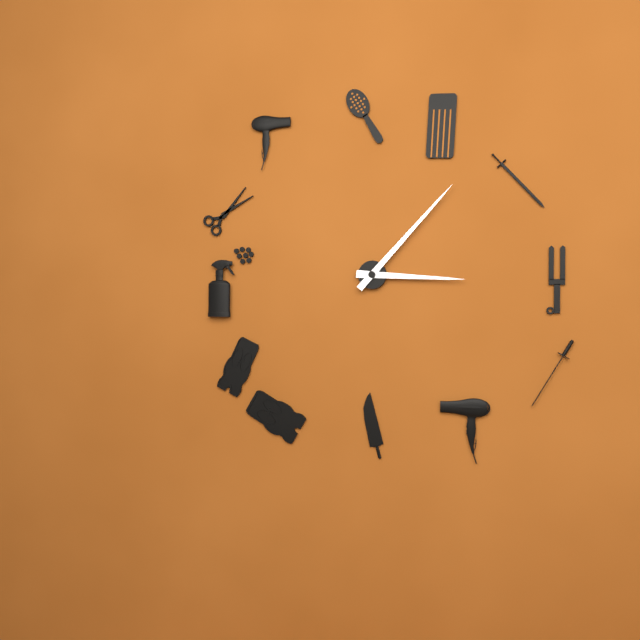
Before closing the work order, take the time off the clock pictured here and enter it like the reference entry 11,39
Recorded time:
3,07
